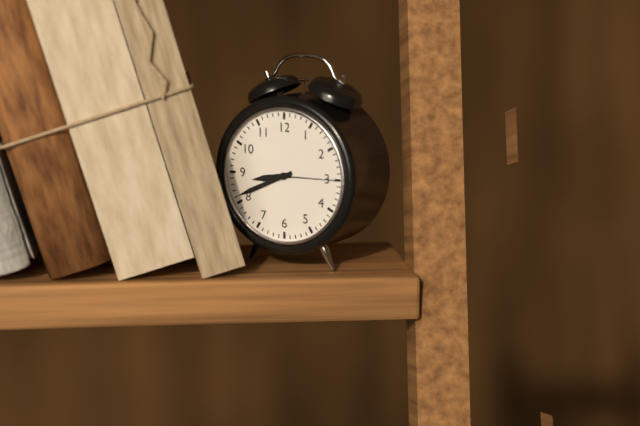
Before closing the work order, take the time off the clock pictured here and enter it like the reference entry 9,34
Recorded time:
8,41
